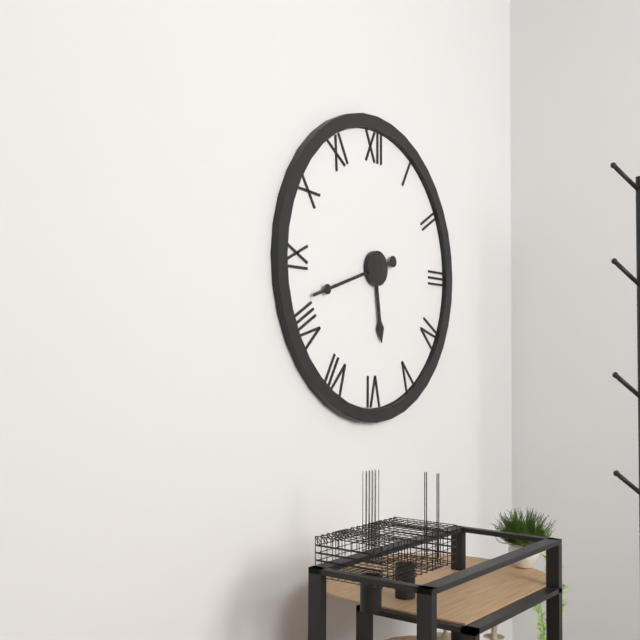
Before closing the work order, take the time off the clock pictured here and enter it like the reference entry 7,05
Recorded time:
5,42
